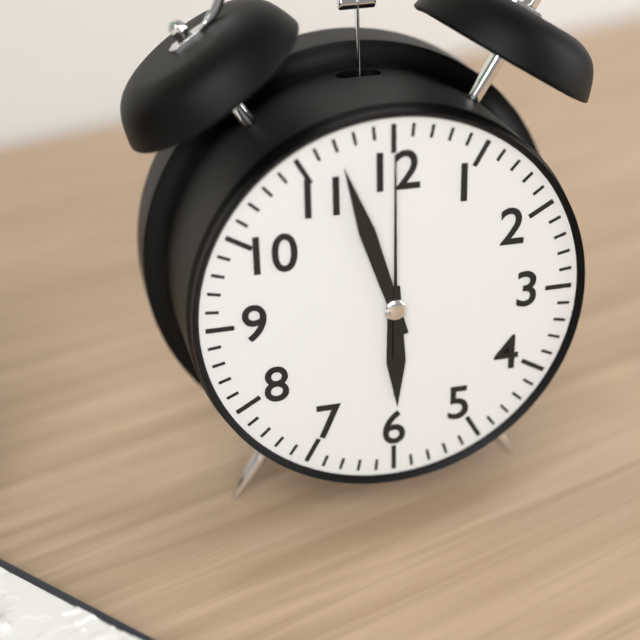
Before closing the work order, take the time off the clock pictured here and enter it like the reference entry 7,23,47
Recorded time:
5,57,00
